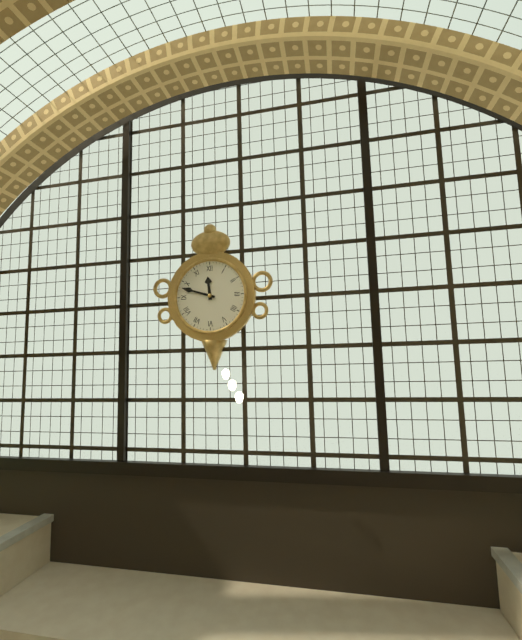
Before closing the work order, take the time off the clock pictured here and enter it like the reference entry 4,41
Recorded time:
11,48
